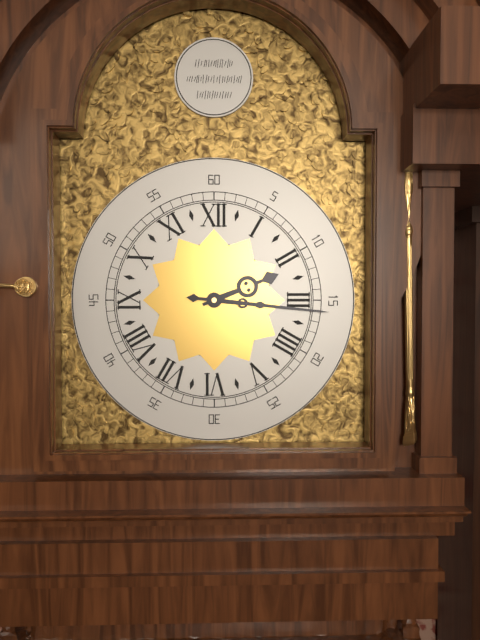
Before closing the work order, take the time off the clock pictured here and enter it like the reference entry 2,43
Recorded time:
2,16
